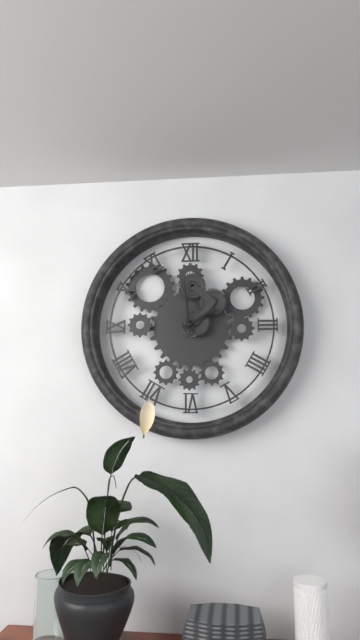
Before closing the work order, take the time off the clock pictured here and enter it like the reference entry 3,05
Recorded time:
1,59
